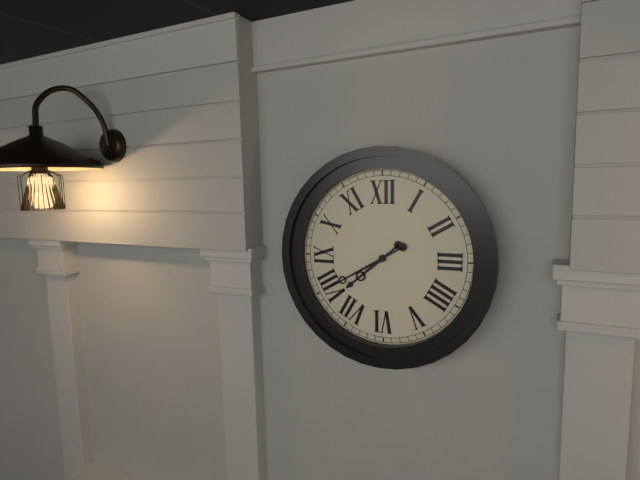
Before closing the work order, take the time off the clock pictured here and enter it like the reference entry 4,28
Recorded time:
7,40
